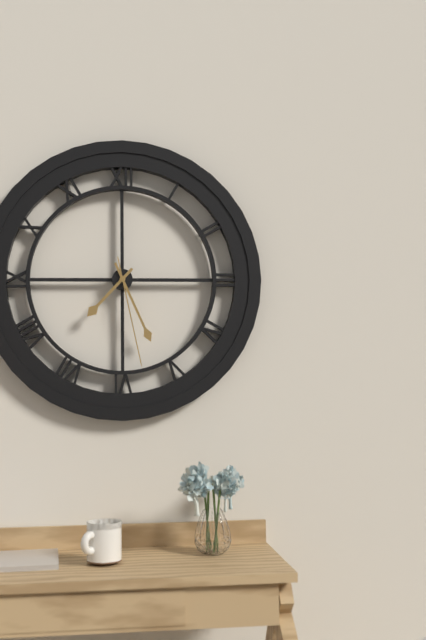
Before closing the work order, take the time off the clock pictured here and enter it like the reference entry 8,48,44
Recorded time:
7,26,28
